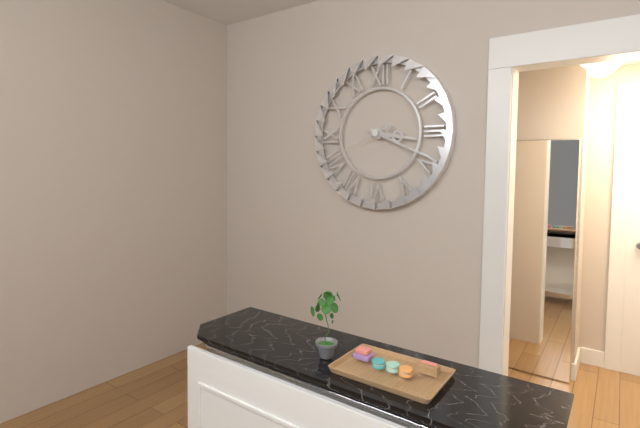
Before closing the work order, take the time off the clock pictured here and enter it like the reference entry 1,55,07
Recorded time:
3,19,41
